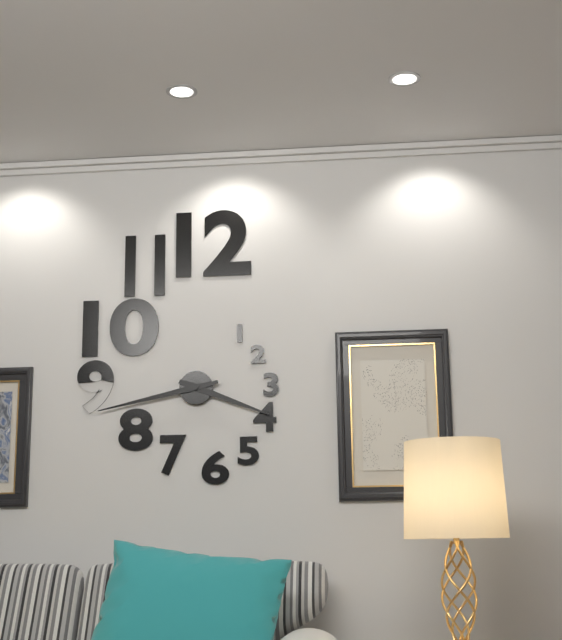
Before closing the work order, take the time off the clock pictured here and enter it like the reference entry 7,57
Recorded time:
3,43
